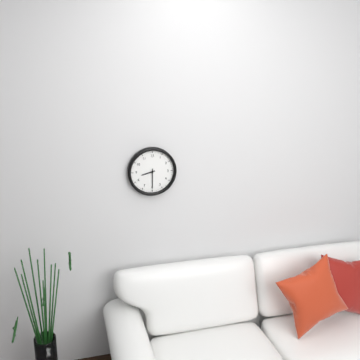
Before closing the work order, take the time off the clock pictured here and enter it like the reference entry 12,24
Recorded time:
8,30
